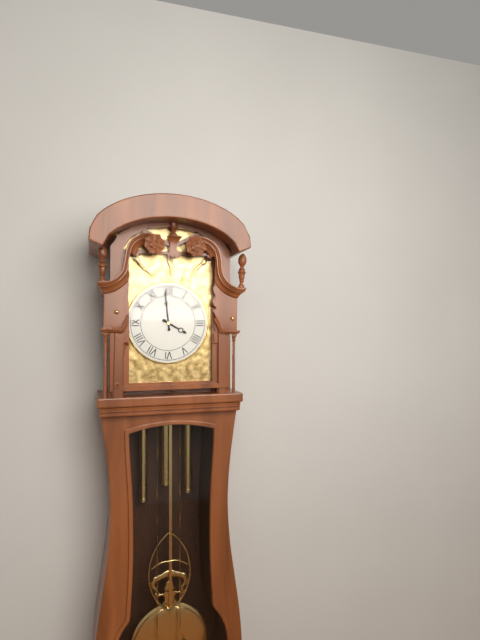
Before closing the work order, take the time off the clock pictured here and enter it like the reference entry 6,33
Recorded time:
3,59
